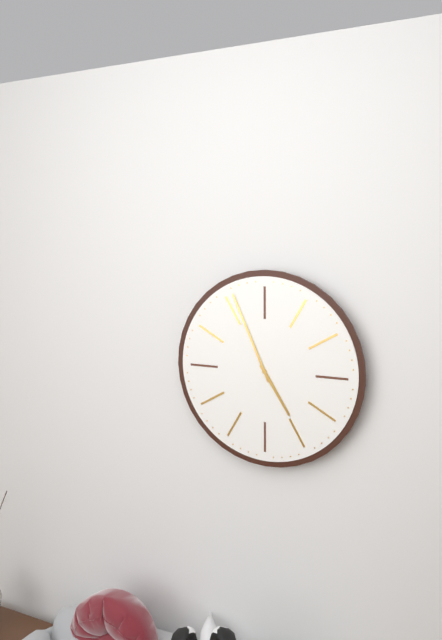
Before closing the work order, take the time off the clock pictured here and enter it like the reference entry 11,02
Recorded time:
4,56
